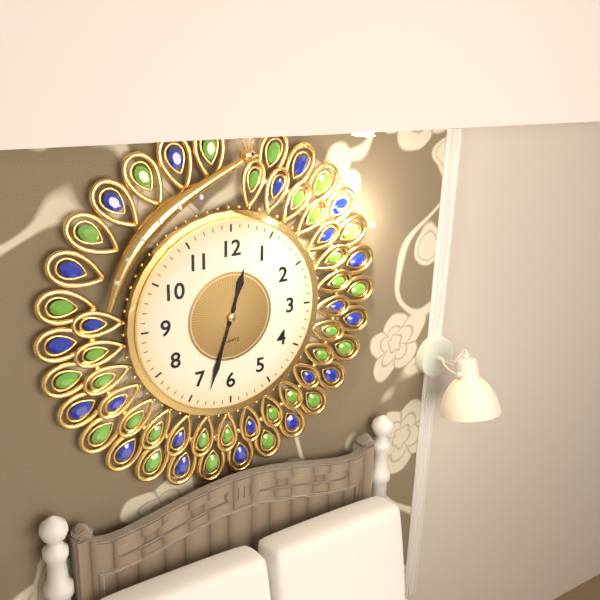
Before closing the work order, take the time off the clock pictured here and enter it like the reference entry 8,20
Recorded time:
12,33
